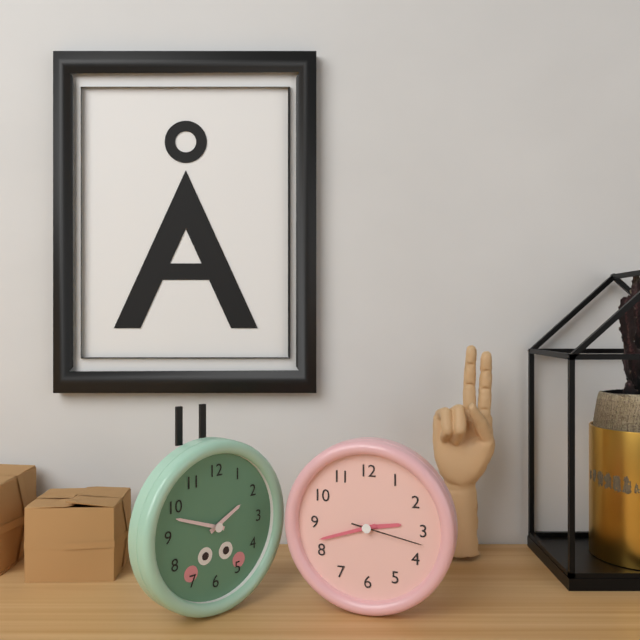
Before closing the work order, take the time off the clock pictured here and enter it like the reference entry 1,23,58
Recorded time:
2,42,17
